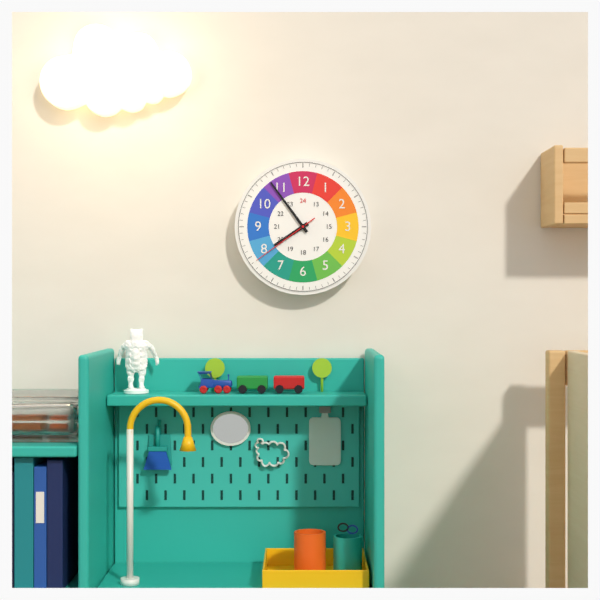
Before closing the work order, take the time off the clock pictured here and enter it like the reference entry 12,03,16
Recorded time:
7,54,39
